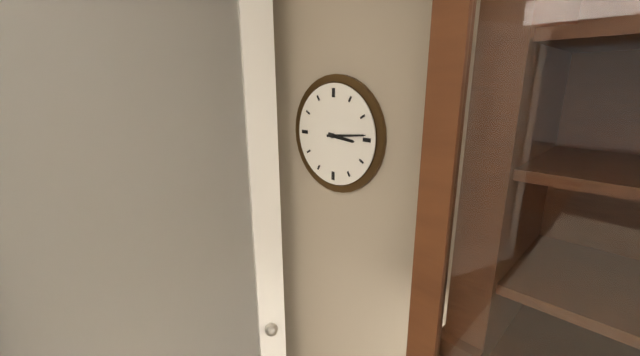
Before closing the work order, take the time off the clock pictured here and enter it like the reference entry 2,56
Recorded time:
3,14
